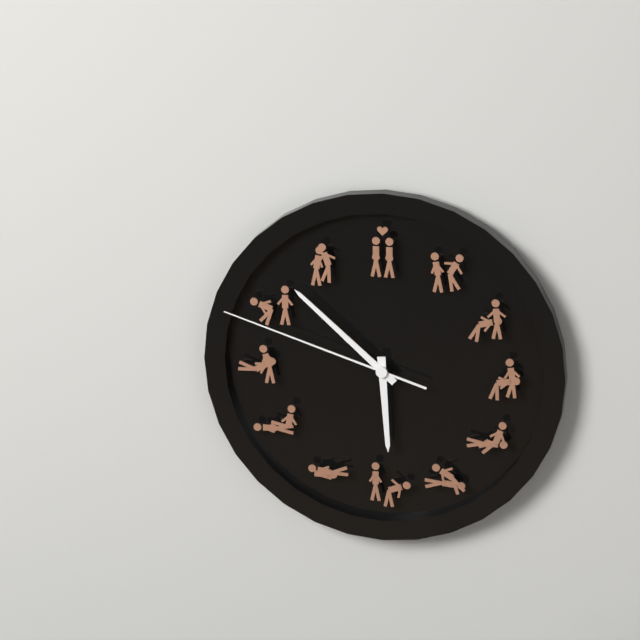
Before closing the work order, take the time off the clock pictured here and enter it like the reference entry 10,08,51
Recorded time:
5,52,48
